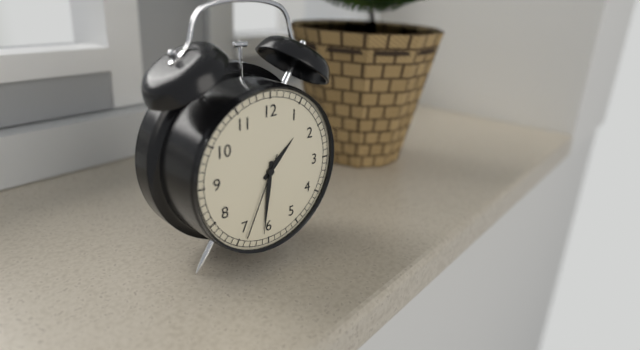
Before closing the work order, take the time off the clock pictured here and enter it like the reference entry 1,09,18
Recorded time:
1,31,34
